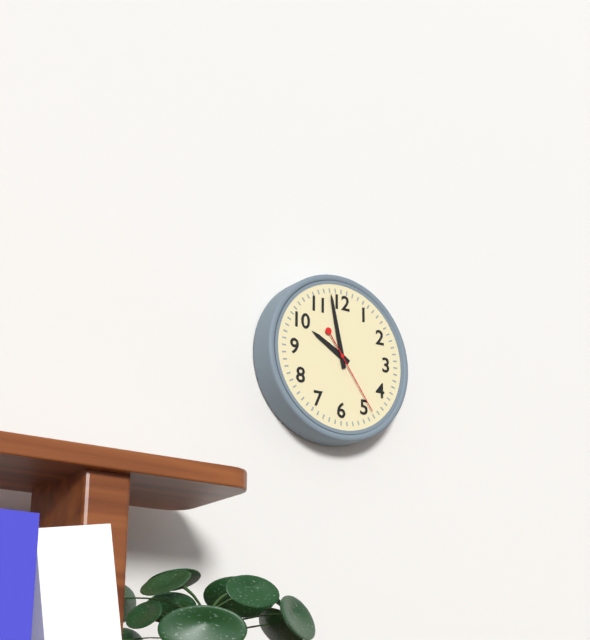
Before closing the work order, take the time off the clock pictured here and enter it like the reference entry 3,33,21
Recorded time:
9,58,24
